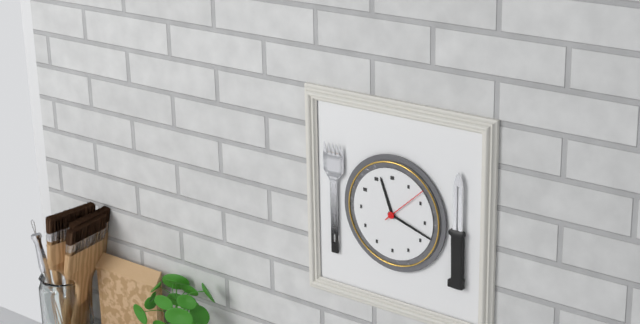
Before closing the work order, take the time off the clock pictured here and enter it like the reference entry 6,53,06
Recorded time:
11,18,08
